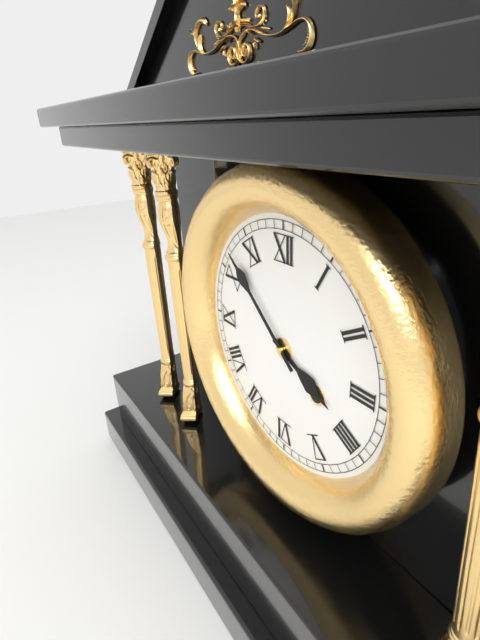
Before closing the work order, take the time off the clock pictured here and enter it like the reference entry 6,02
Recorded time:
3,52
